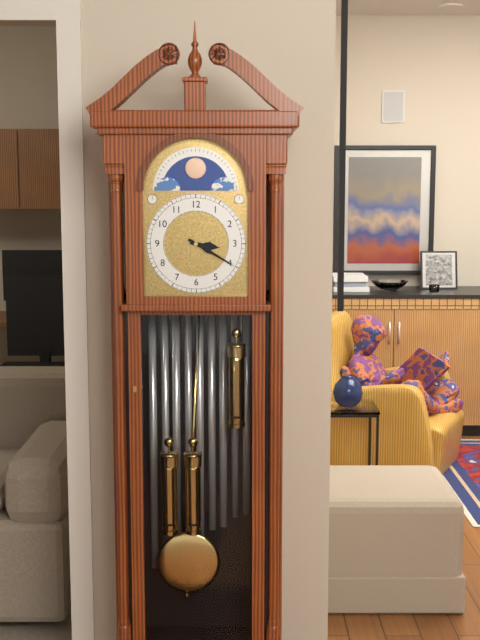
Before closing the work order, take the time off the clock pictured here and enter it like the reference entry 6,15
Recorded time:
3,20
